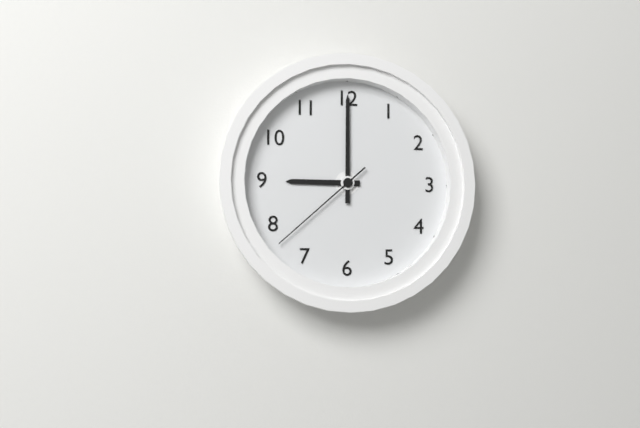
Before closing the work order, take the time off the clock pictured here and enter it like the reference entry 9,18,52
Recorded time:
9,00,38
